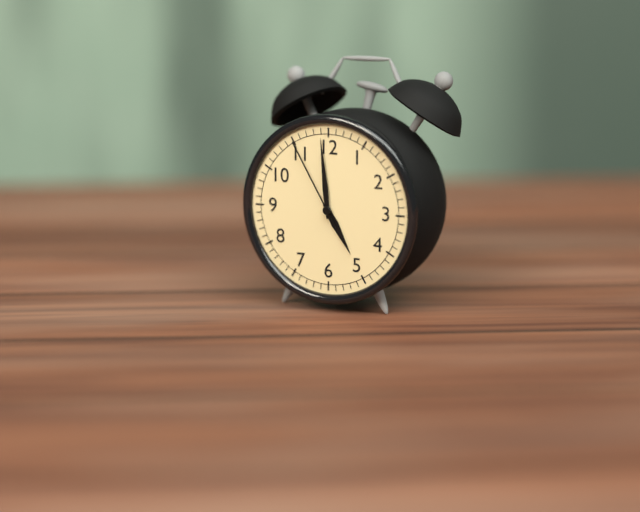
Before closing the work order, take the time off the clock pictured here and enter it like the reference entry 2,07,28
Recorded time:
4,59,55
